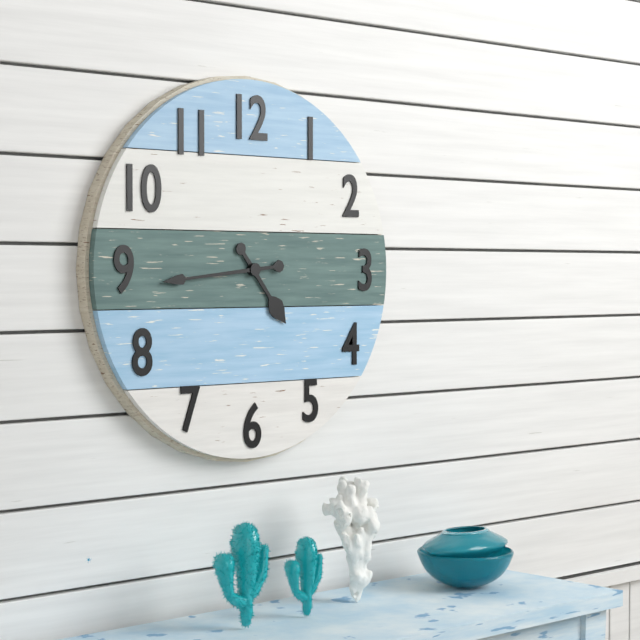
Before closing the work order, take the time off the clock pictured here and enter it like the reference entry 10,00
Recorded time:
4,44
